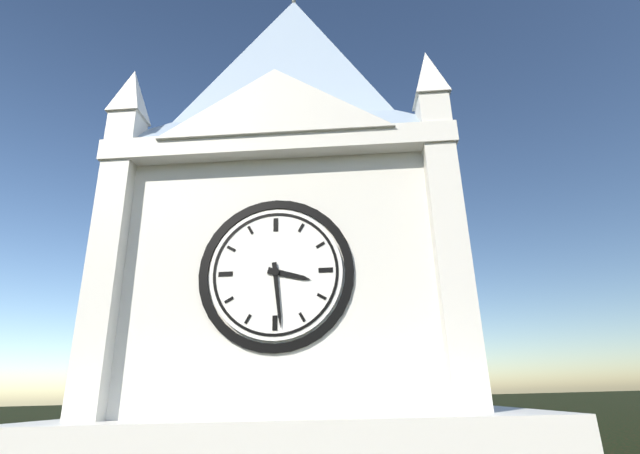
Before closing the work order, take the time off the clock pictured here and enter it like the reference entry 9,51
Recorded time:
3,29
